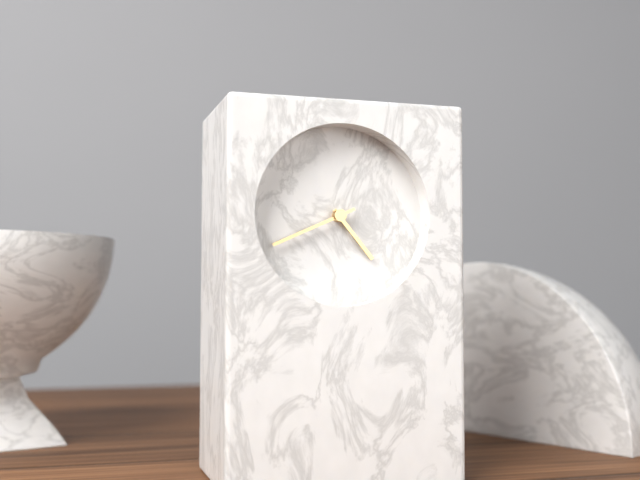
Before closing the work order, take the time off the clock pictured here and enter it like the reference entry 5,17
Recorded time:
4,41
